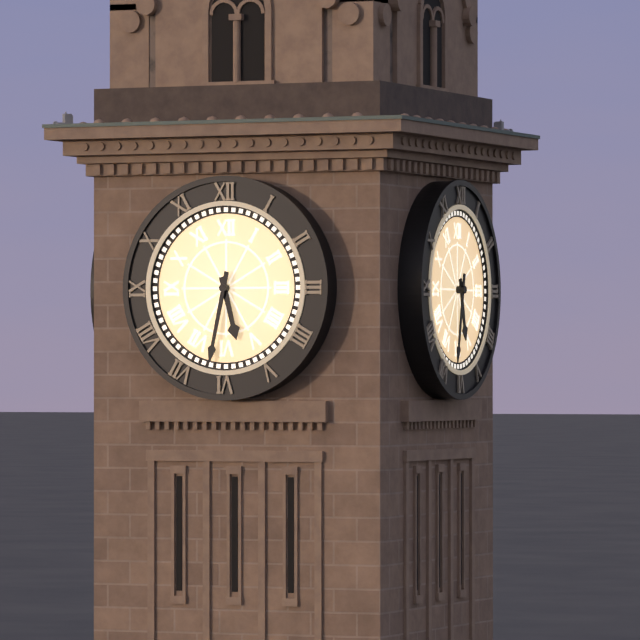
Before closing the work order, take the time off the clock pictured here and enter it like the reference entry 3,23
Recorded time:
5,32
